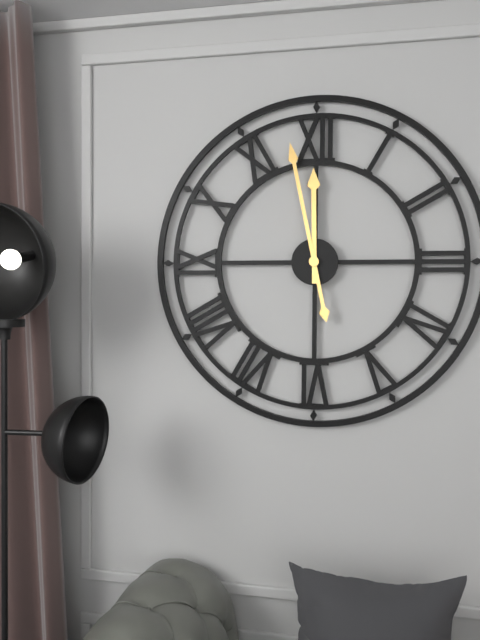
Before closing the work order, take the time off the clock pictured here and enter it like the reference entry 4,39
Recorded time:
11,58
